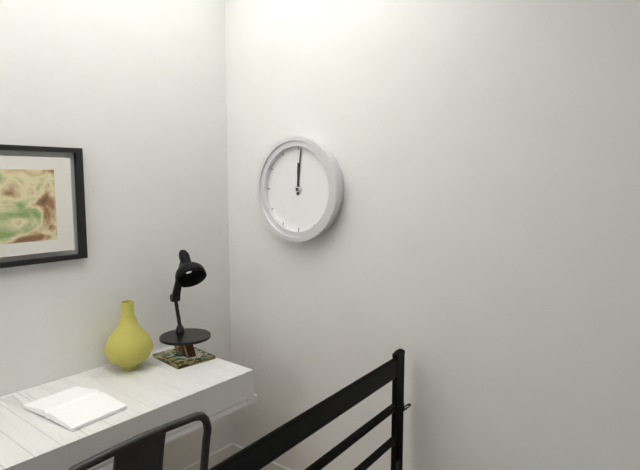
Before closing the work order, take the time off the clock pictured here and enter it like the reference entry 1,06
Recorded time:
12,01
